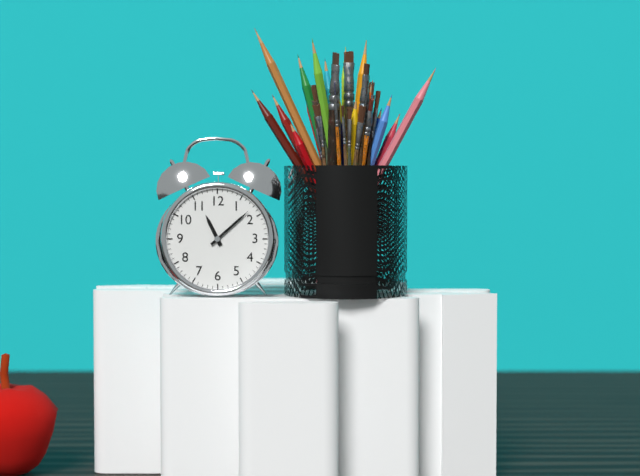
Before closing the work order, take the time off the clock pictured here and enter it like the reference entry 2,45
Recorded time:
11,08
